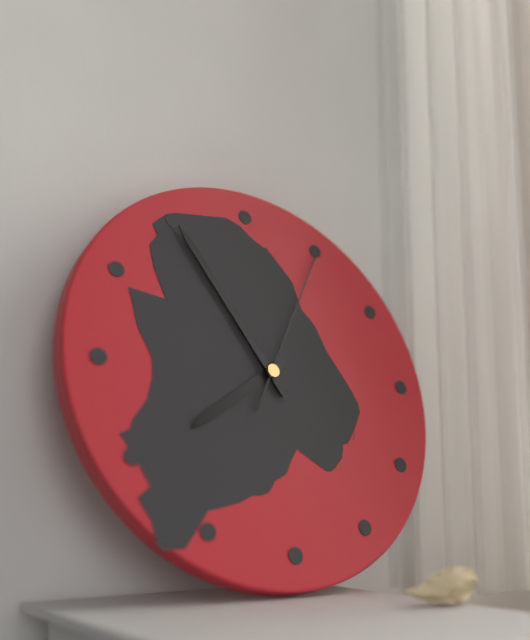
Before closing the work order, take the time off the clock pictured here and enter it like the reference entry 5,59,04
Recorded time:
7,55,05
